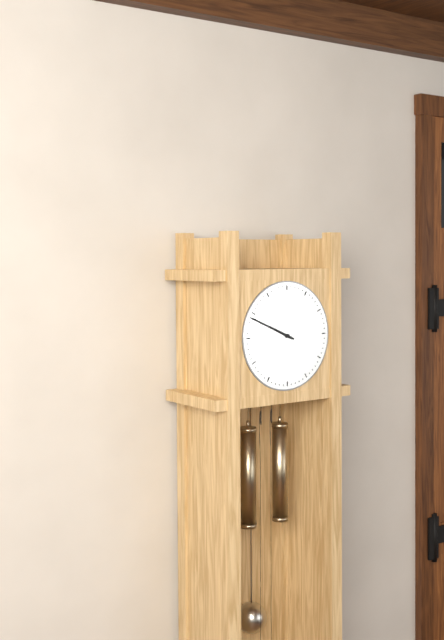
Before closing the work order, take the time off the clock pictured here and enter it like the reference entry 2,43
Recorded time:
9,49
